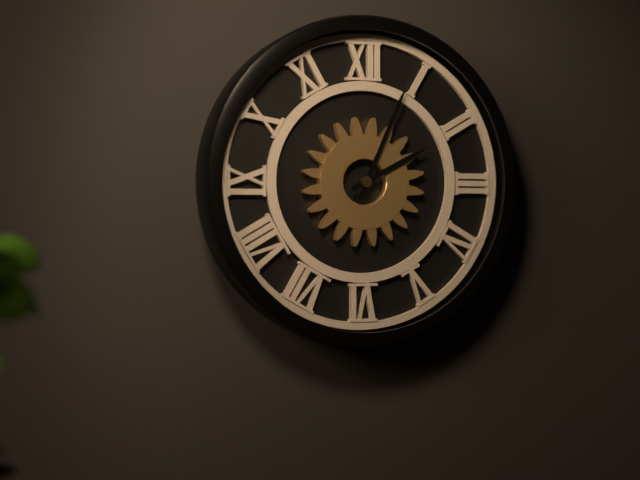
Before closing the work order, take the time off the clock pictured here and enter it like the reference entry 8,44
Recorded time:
2,04
